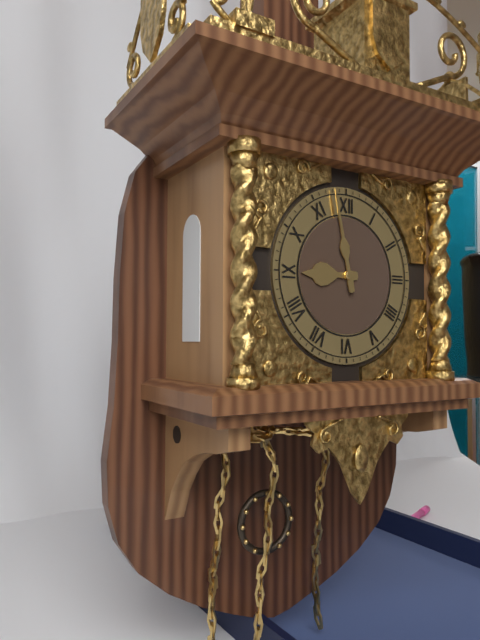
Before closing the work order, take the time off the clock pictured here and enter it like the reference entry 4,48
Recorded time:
8,58
